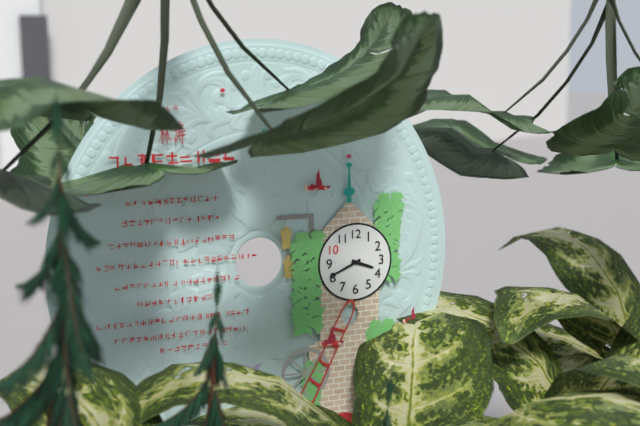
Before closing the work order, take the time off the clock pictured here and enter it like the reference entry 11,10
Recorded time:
3,41
